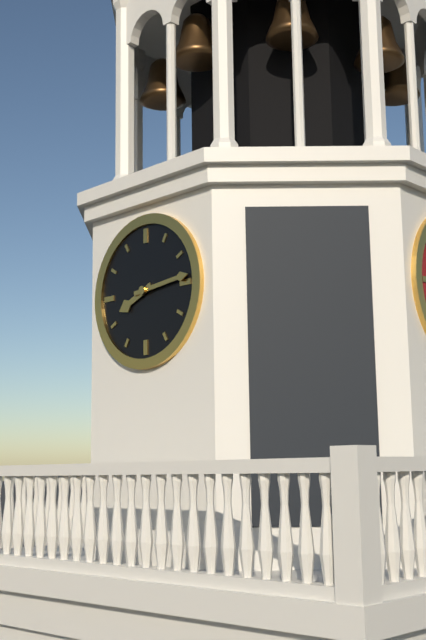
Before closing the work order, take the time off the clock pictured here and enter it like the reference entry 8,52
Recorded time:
8,14
